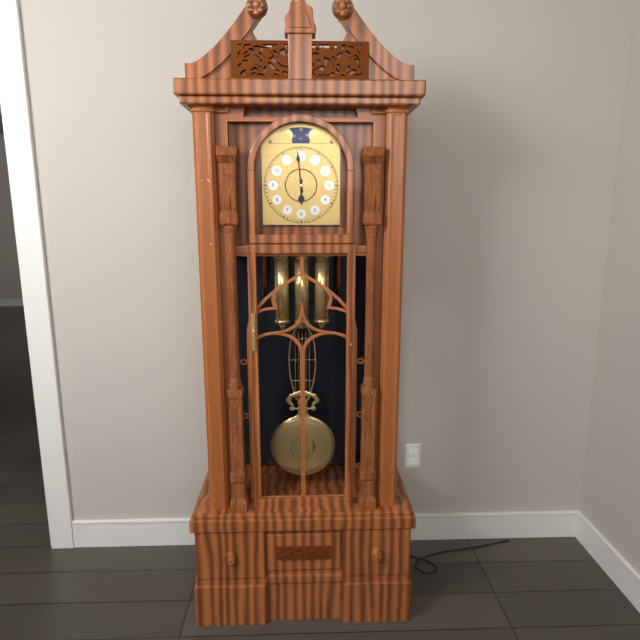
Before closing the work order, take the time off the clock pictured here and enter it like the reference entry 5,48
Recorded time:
5,59
